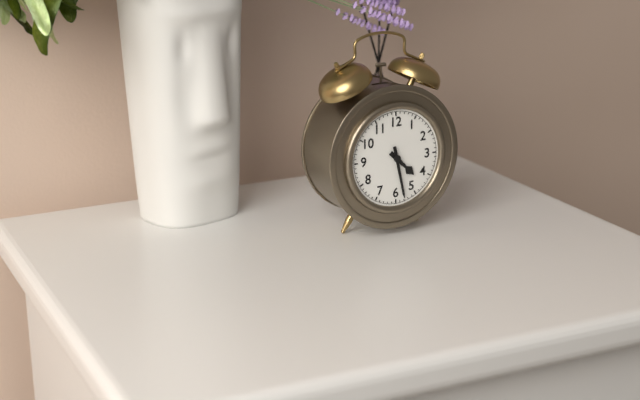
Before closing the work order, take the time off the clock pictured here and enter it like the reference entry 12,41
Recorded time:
4,28
